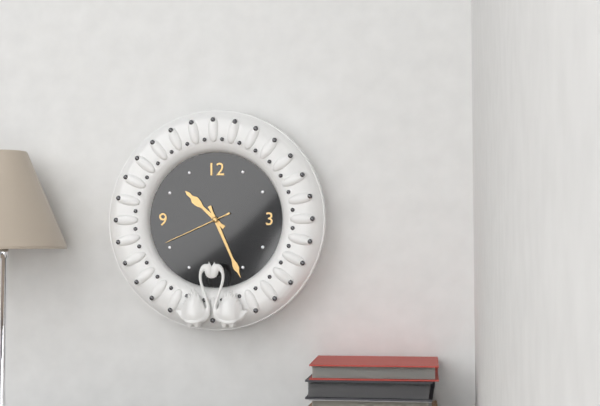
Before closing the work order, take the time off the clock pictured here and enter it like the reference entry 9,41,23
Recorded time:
10,26,41
